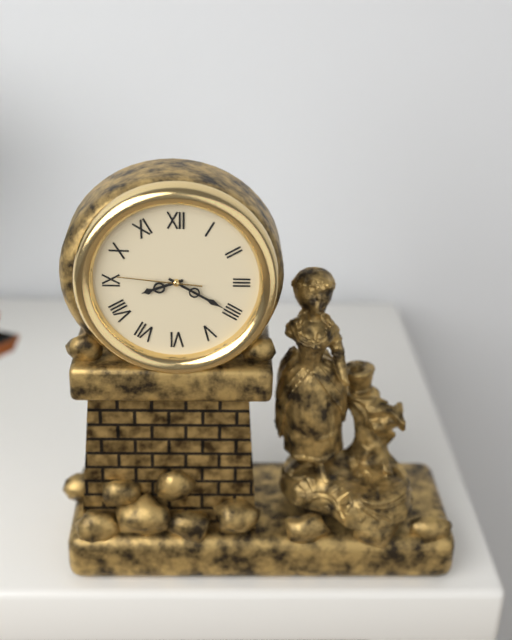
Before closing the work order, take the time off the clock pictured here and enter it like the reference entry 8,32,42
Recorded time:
8,20,46
